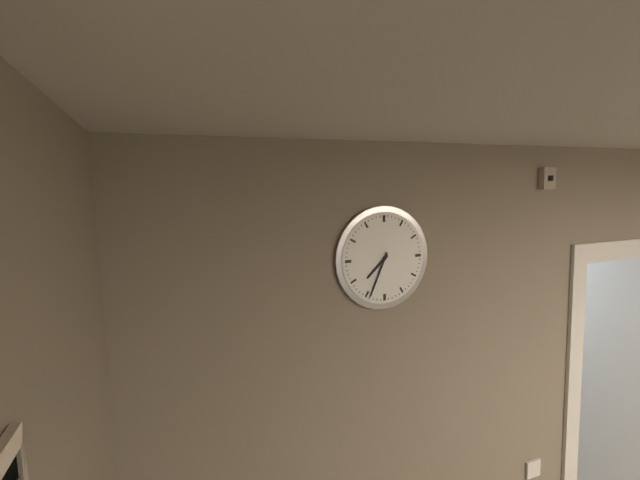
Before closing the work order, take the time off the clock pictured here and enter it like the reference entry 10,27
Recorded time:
7,34
